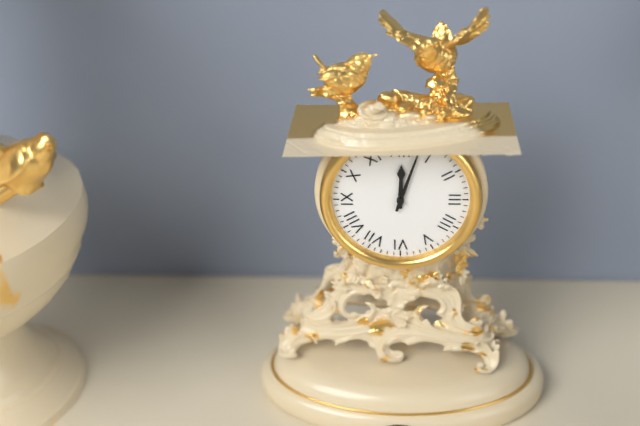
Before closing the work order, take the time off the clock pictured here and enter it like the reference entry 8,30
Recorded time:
12,03
